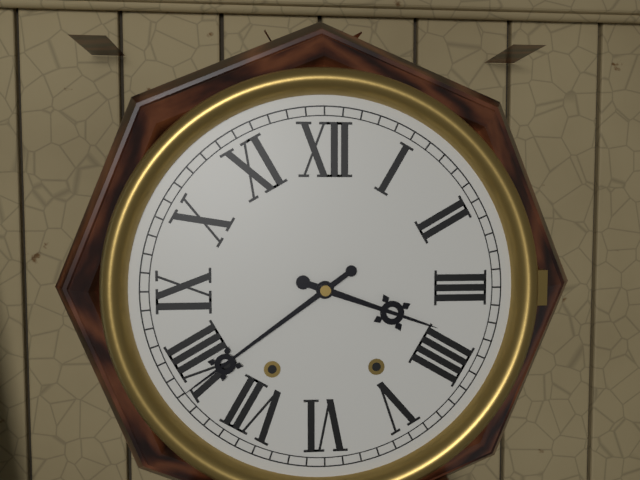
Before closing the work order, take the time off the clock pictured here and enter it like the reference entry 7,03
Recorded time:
3,39
